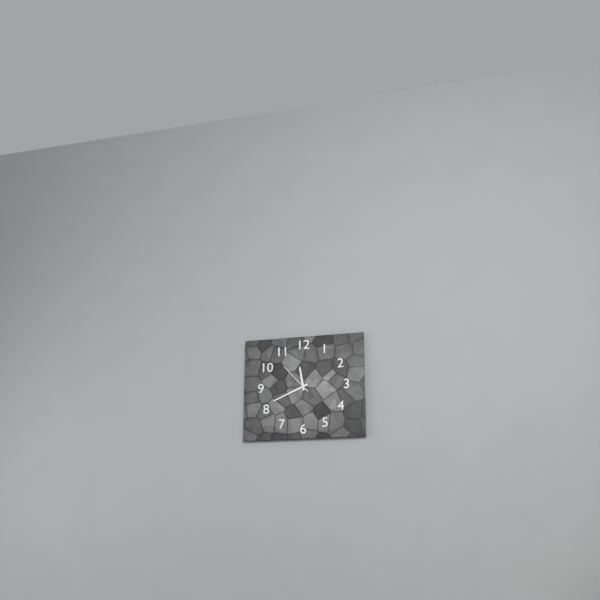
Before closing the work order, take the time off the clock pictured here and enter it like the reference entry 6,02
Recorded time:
11,41
